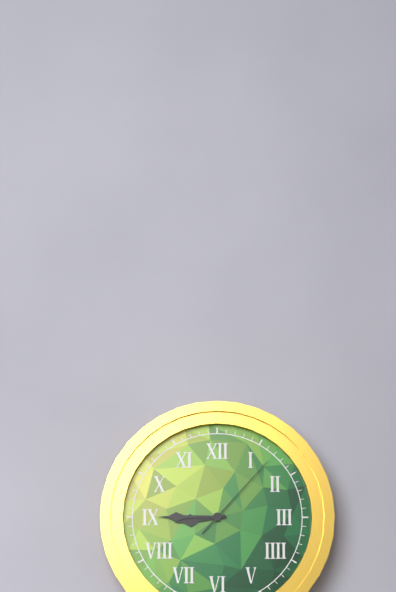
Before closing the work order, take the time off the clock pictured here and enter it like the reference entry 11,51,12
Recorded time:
8,45,07
